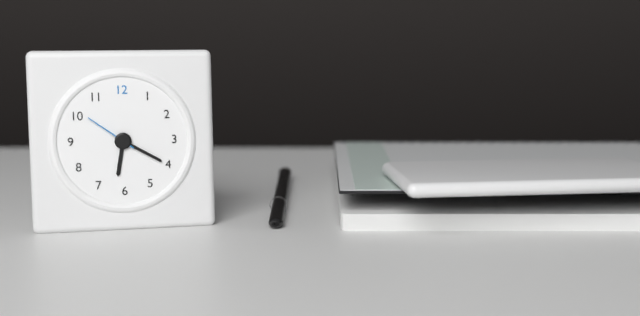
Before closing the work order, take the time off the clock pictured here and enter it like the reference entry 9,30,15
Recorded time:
6,20,51
